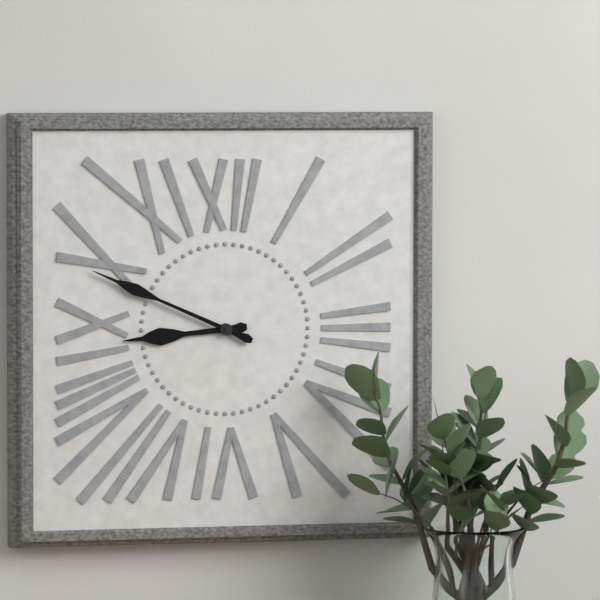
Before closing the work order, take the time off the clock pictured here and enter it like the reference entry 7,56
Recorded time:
8,49
